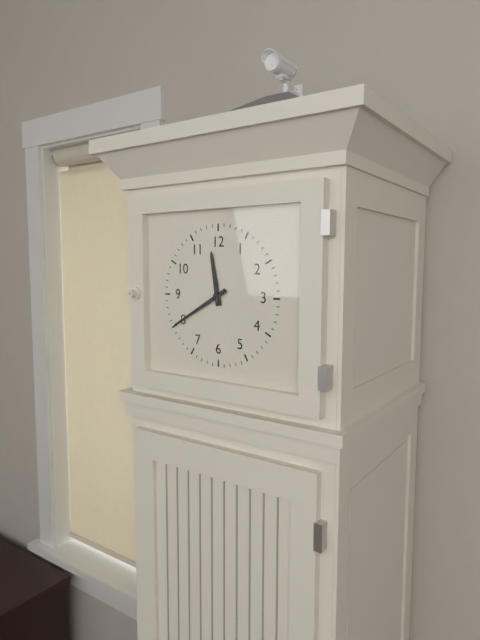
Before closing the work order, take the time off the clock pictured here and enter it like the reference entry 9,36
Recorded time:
11,40
